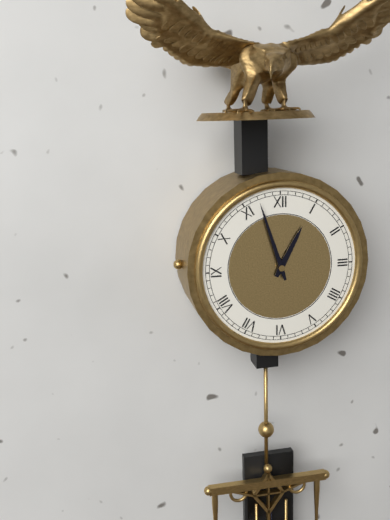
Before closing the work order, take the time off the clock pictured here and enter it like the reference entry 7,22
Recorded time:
12,57
